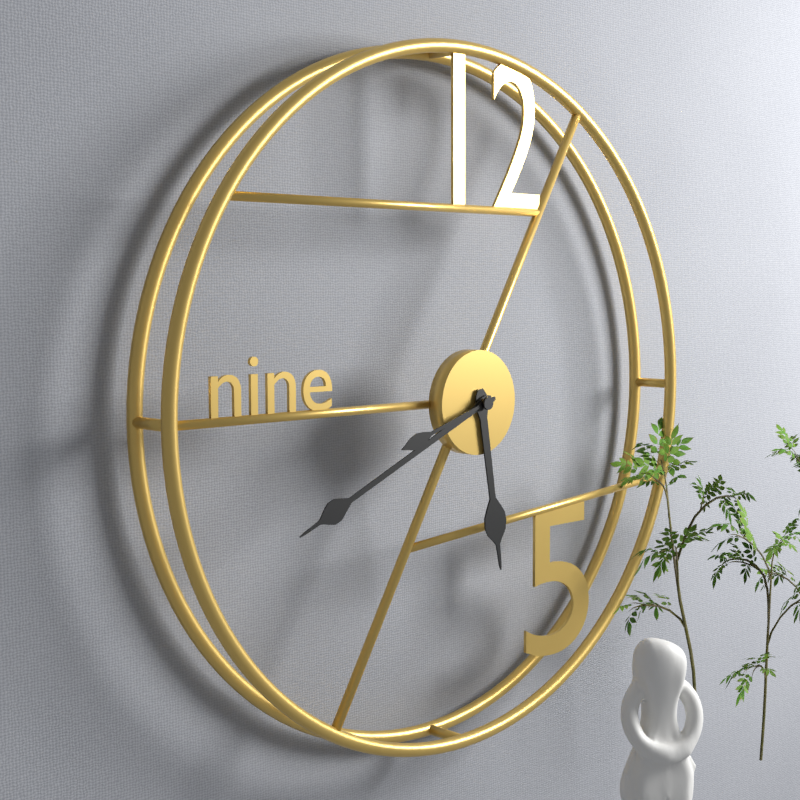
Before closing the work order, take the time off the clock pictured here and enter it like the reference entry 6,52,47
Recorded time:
5,41,42
